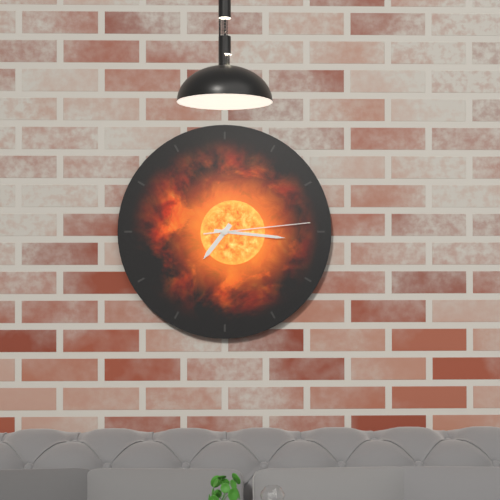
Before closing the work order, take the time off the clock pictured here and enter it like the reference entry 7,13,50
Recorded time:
7,16,14
